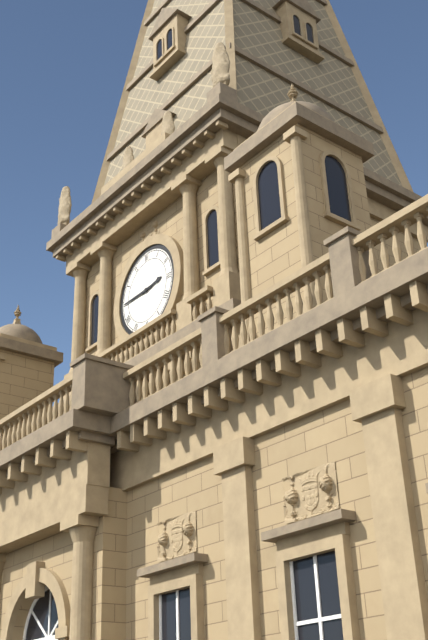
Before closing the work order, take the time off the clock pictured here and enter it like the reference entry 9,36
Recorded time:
2,45
